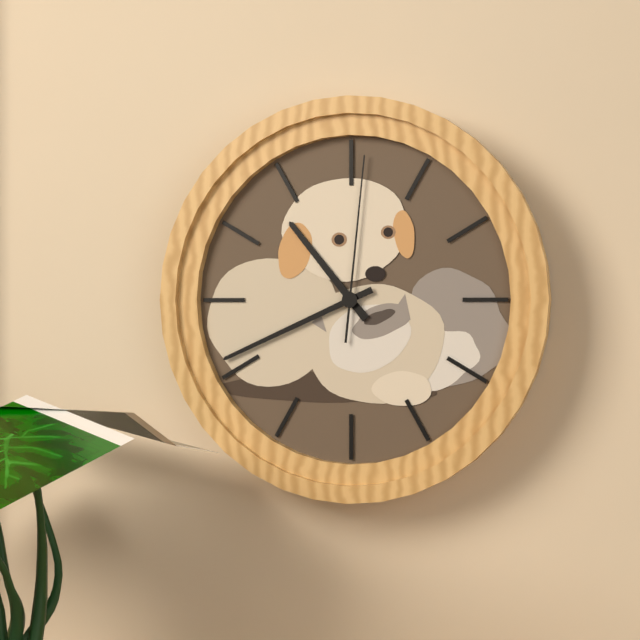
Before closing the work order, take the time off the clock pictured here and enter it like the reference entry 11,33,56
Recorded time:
10,41,01
